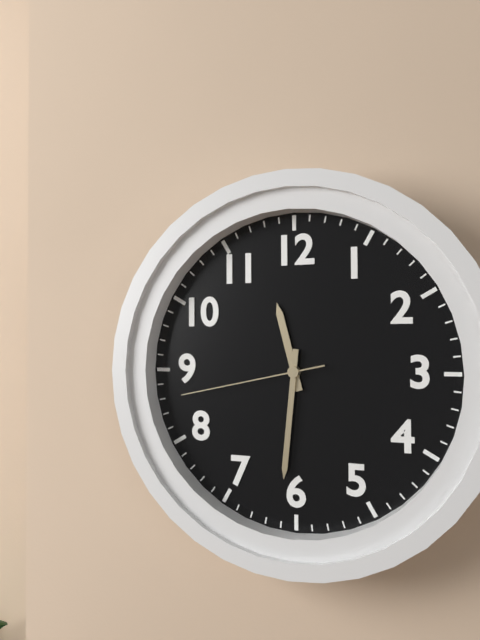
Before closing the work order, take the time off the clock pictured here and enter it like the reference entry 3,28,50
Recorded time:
11,31,43
